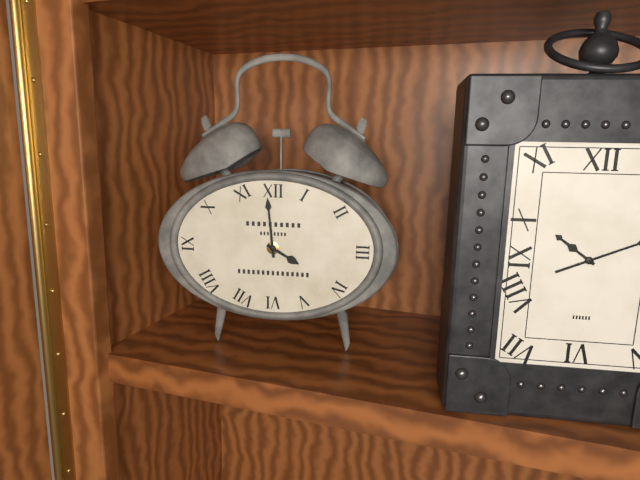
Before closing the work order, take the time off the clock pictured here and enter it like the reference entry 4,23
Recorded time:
3,59
